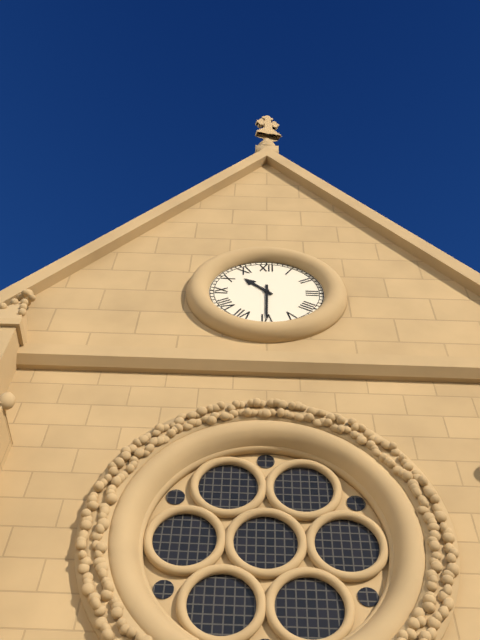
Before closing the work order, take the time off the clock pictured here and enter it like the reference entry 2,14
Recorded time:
10,30
